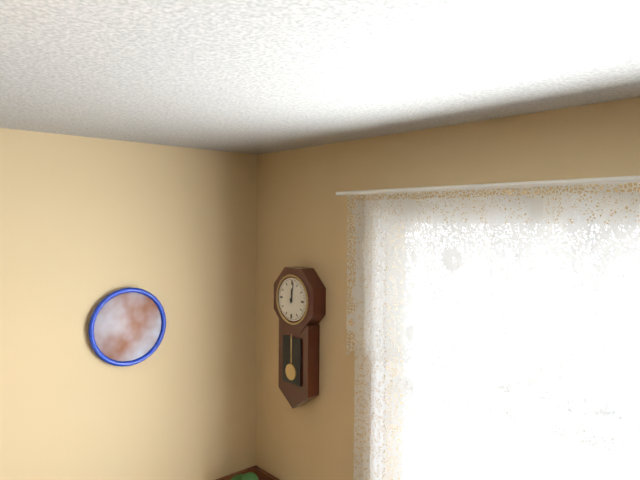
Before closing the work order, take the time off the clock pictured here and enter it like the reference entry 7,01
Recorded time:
12,02
